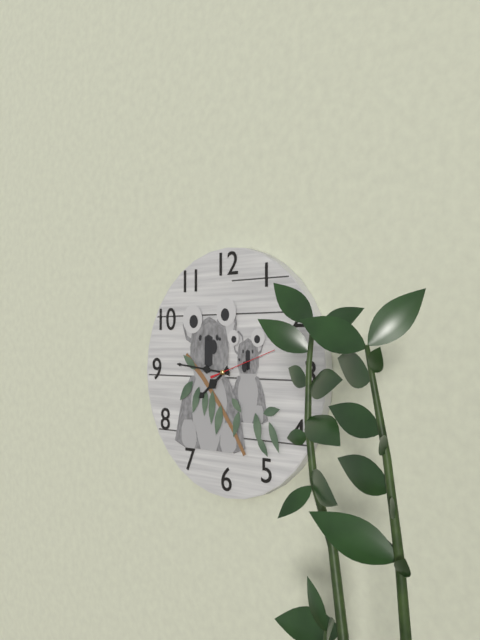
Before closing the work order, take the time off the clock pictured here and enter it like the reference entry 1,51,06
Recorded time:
7,46,12
